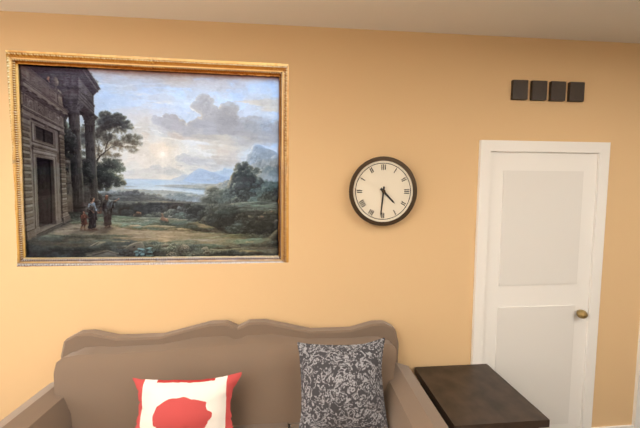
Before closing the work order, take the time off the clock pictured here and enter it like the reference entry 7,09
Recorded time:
4,31
